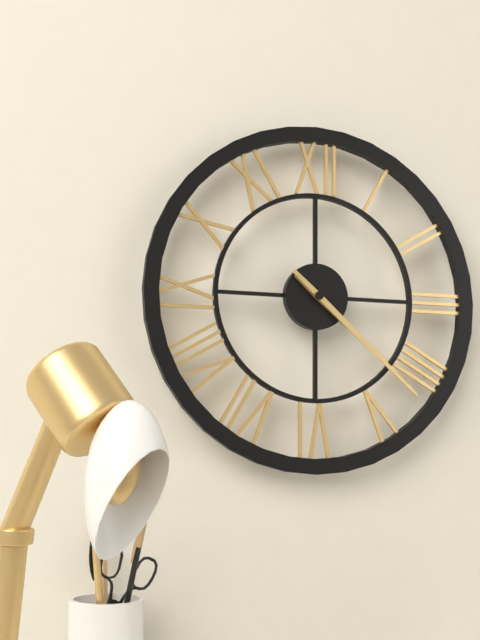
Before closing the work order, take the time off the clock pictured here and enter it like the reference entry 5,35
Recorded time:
4,22
